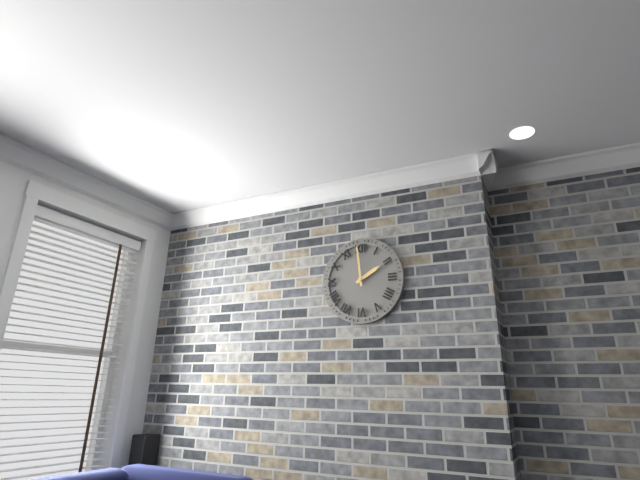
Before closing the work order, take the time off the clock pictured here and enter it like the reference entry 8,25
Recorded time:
1,59
